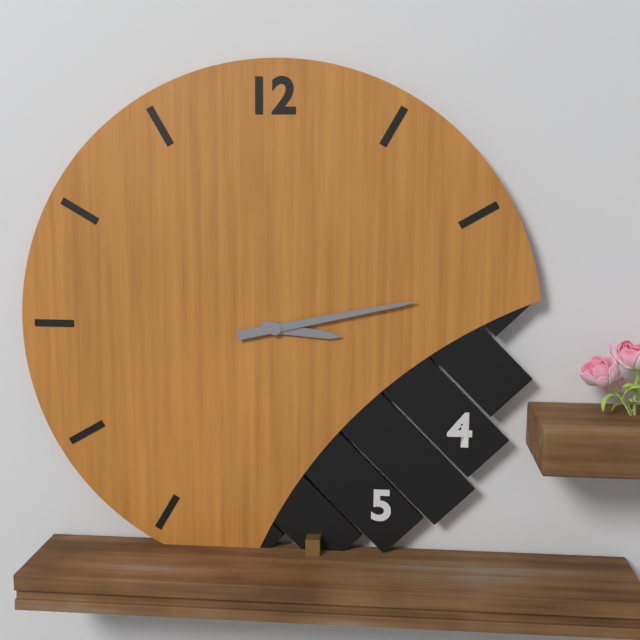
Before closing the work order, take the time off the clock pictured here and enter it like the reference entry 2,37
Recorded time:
3,13
